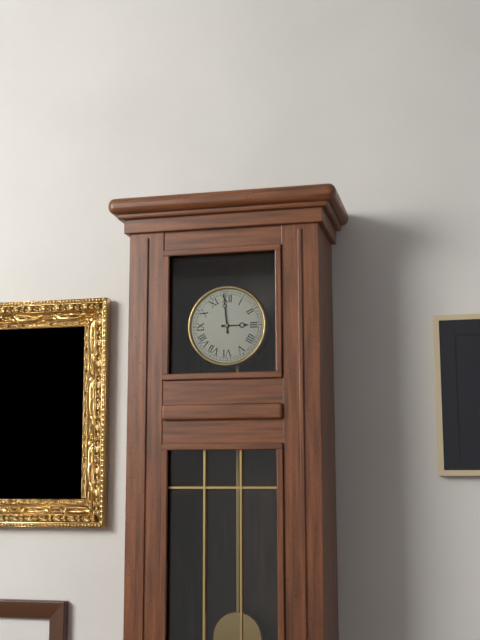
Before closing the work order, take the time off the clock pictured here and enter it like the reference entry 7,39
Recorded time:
2,59
